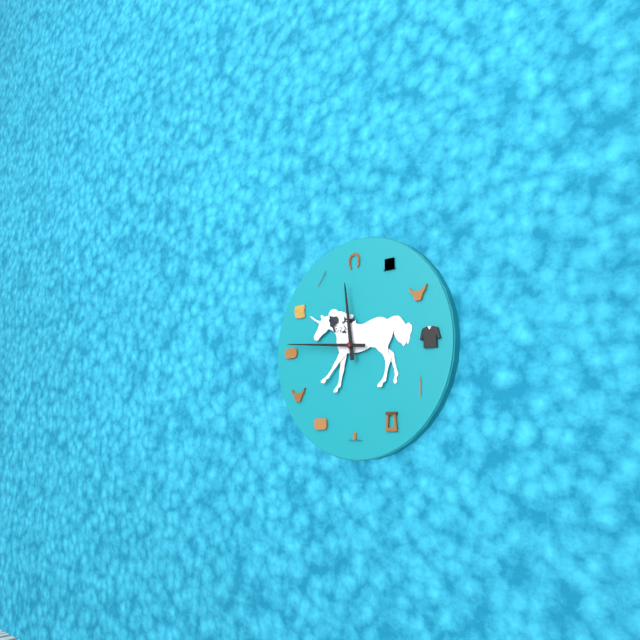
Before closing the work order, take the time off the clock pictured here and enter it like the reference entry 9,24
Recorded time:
11,46
